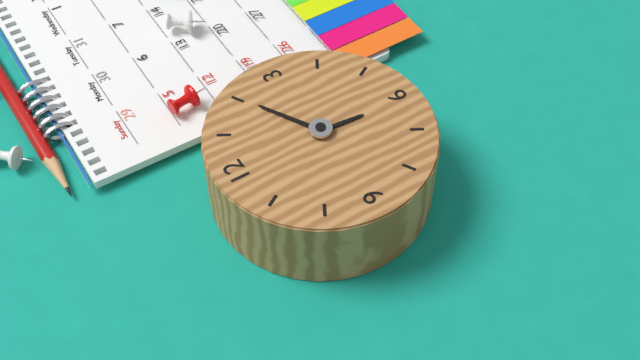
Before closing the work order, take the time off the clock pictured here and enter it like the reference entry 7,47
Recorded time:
6,10
